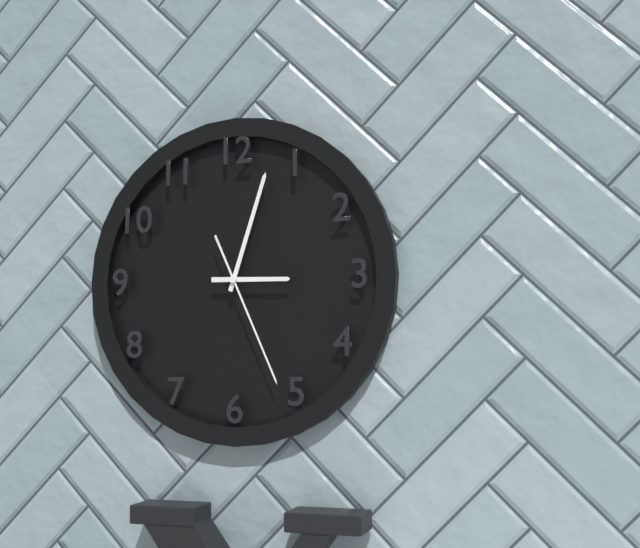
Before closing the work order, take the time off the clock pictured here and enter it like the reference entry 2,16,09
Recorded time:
3,03,26
